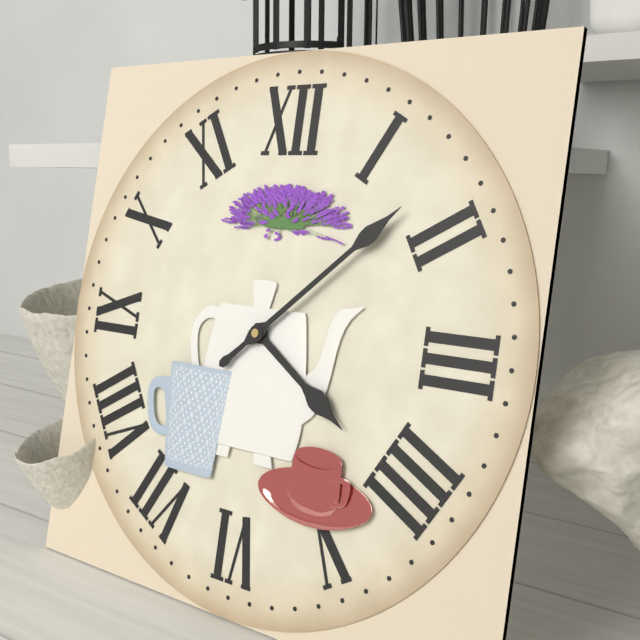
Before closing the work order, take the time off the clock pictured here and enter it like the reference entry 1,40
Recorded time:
4,08
